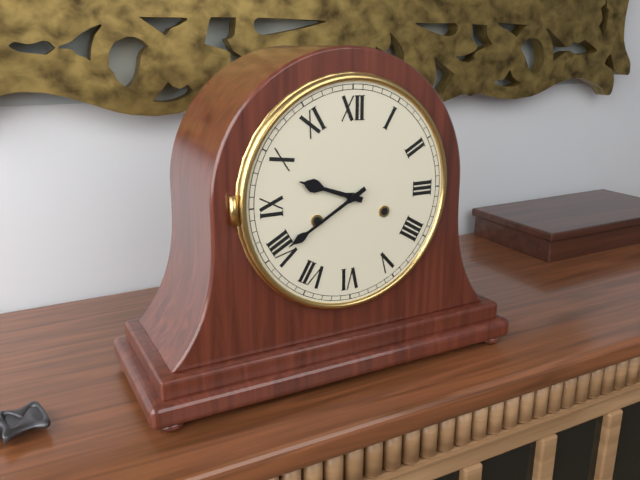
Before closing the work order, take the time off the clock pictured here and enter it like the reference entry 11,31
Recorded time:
9,40
